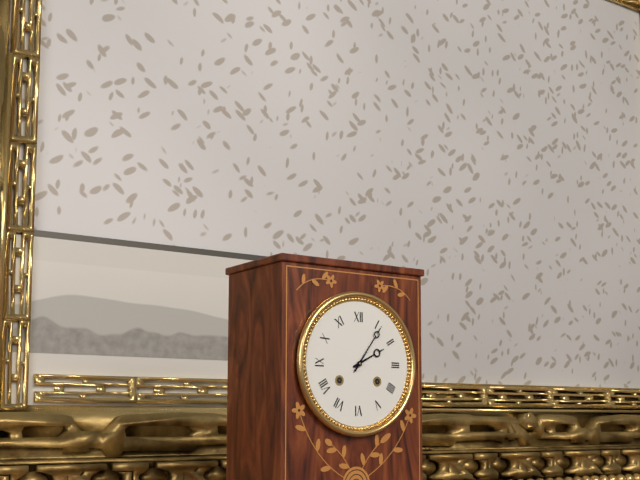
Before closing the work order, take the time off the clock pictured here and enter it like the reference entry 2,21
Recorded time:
2,06
